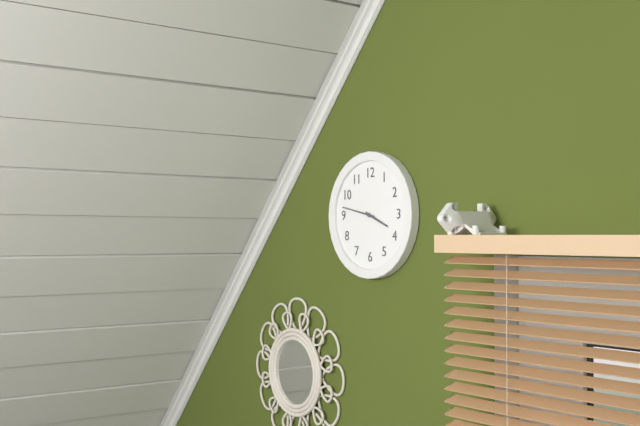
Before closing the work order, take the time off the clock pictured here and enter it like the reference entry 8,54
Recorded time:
3,47
